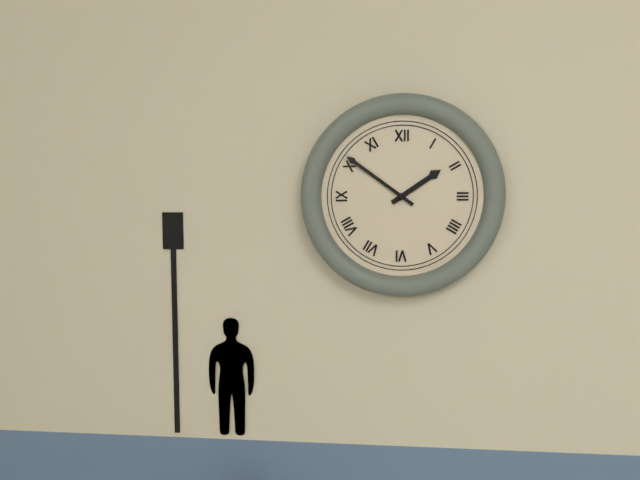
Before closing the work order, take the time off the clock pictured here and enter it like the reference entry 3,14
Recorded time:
1,51
